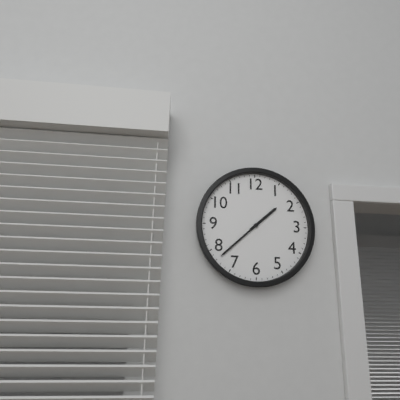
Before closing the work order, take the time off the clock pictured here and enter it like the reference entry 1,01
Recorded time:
1,38
